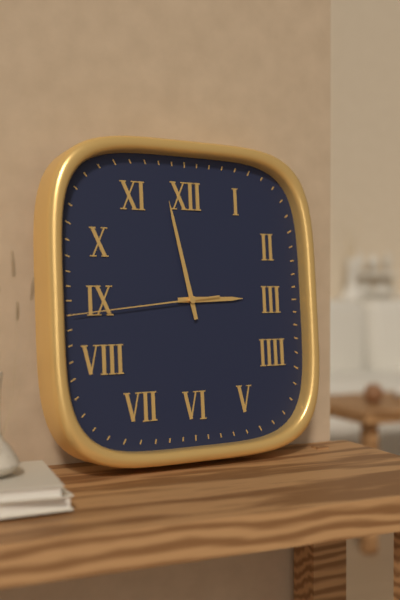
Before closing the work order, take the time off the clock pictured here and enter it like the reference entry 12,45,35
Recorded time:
2,58,44
